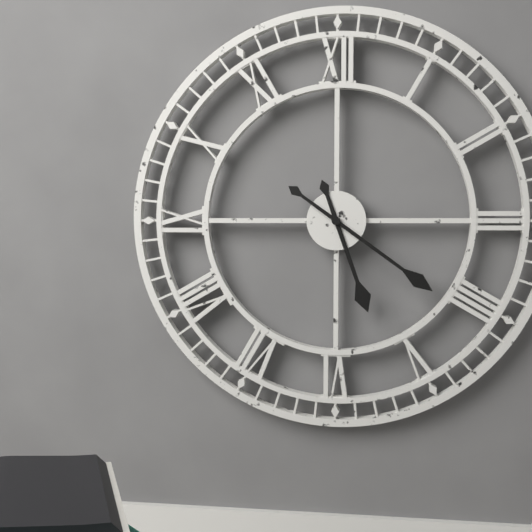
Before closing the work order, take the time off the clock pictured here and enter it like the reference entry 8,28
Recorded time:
5,21
